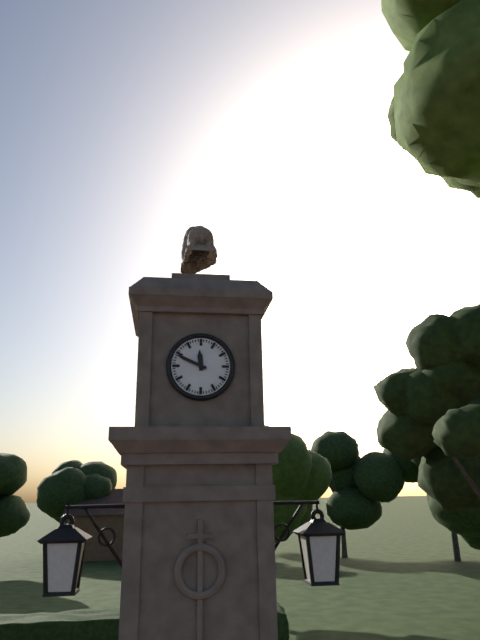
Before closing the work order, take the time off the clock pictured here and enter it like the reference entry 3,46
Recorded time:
11,49
